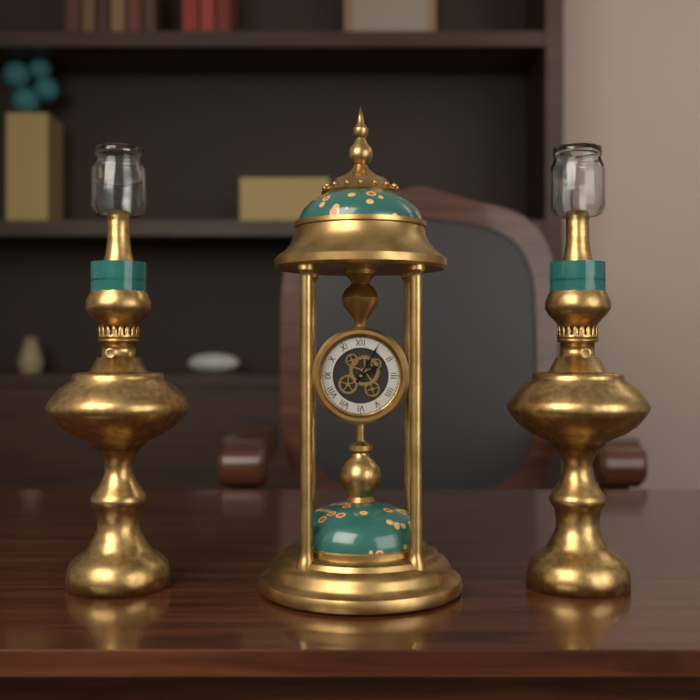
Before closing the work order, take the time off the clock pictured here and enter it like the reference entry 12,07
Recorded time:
2,05
